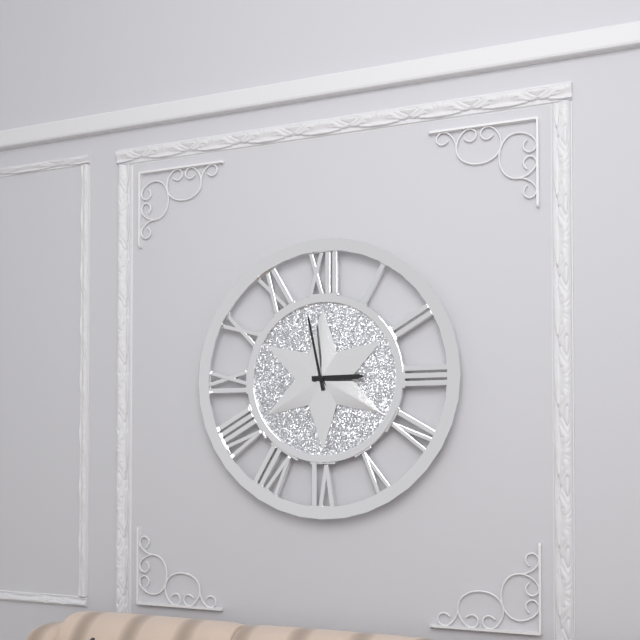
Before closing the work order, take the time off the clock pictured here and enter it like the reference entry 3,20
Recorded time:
2,58
